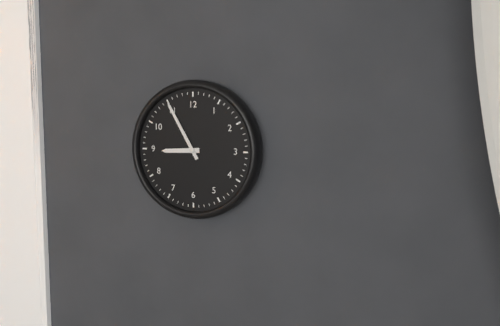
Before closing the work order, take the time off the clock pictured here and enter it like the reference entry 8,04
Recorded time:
8,55
